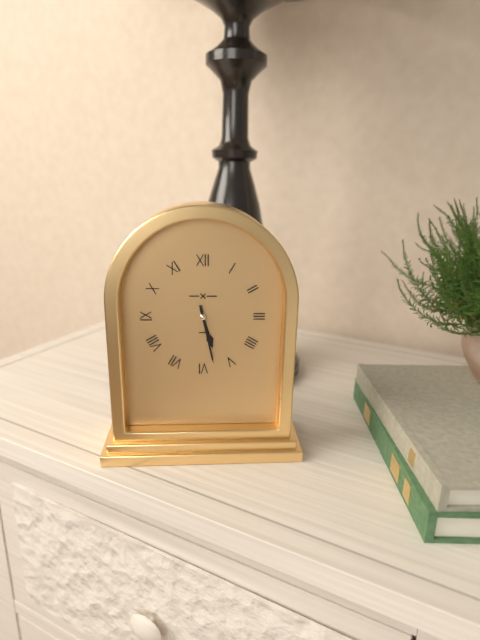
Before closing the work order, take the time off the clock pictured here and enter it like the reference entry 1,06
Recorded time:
5,28
